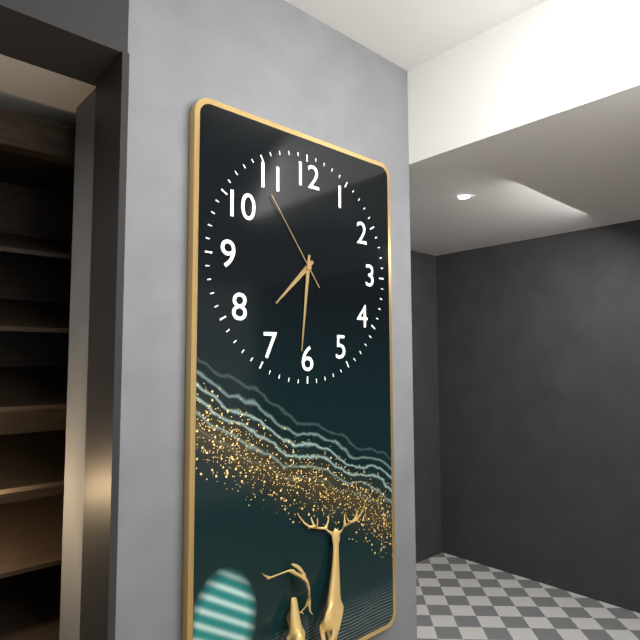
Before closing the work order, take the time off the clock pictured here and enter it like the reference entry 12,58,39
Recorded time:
7,31,54
